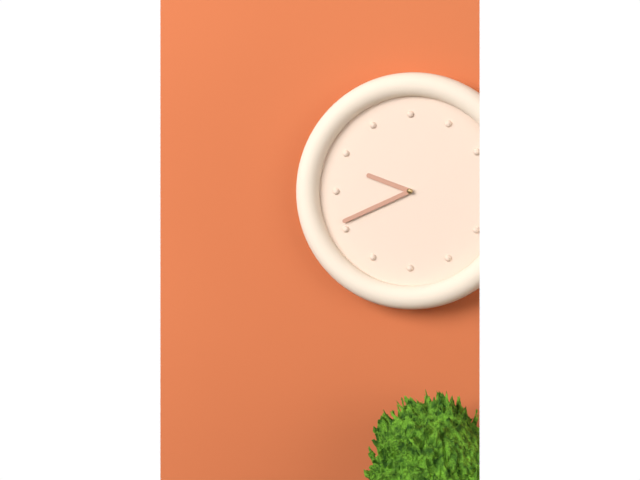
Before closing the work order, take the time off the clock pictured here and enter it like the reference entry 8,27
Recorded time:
9,41
